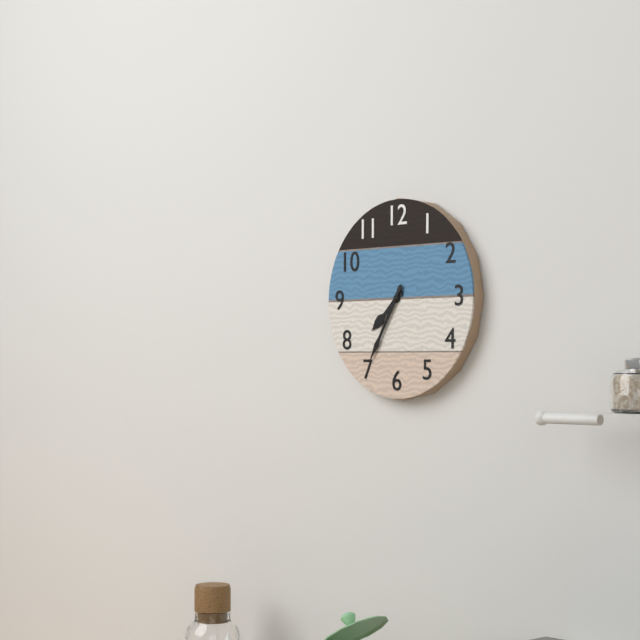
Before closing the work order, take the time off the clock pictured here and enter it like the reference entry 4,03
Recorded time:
7,35
